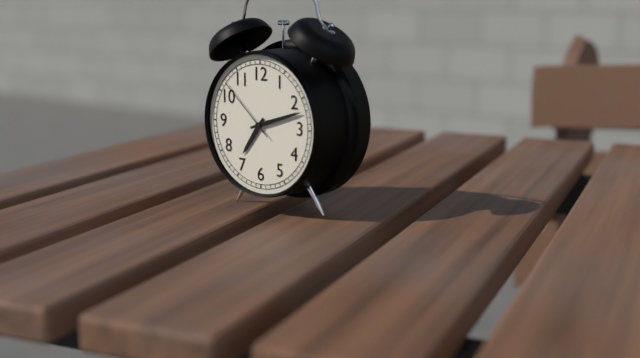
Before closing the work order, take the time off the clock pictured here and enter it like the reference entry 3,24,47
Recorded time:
7,12,52
